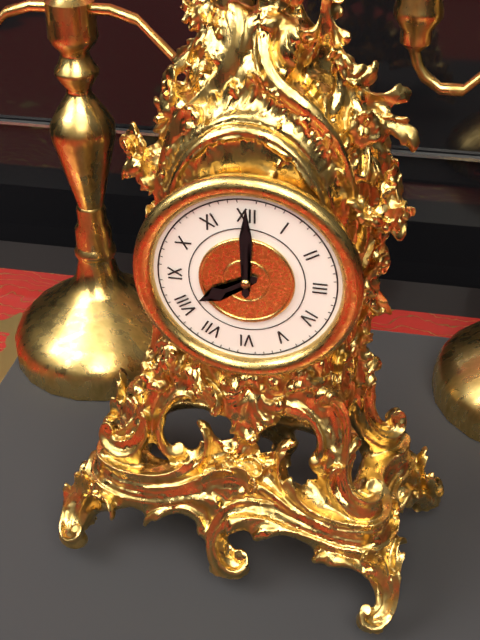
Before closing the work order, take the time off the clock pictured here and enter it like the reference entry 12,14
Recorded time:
8,00
